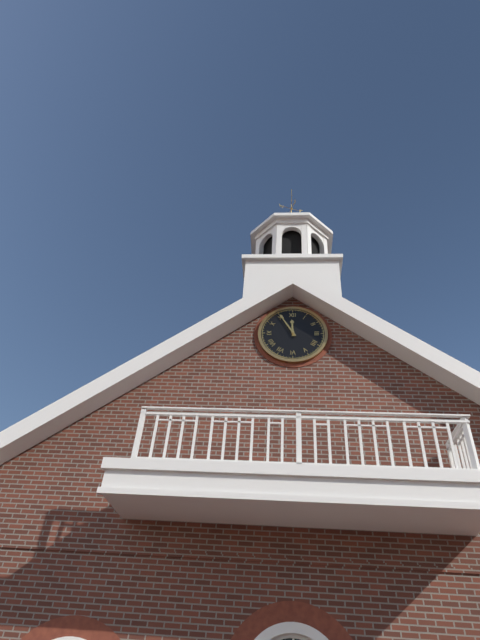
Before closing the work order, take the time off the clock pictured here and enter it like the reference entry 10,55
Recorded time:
11,55
